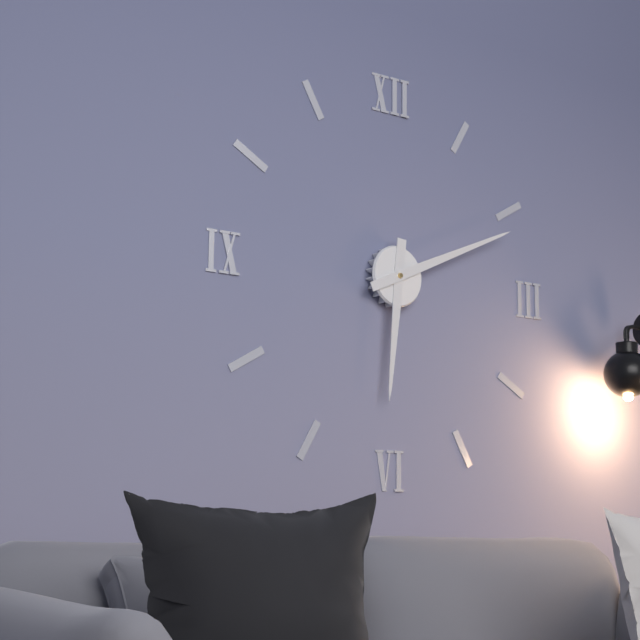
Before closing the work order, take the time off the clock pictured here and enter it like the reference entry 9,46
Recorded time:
6,11
